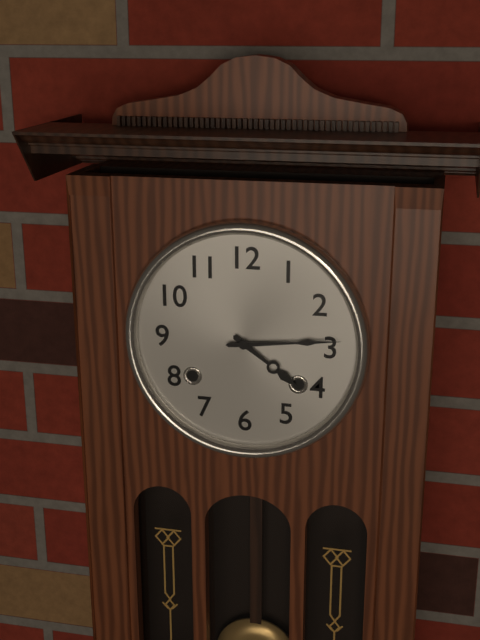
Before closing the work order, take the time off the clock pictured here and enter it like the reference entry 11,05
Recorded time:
4,14
